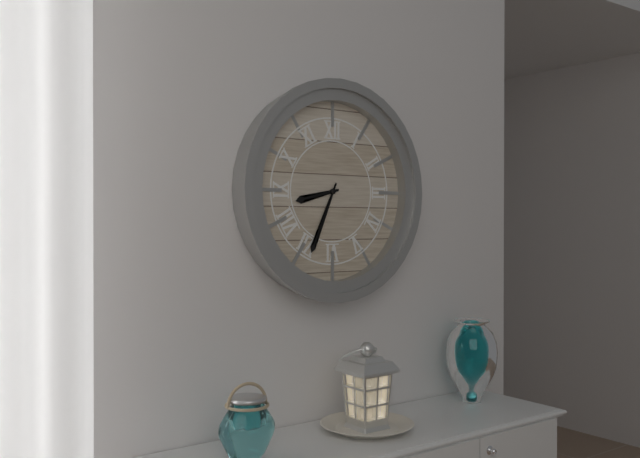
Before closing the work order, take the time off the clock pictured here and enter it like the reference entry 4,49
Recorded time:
8,34
